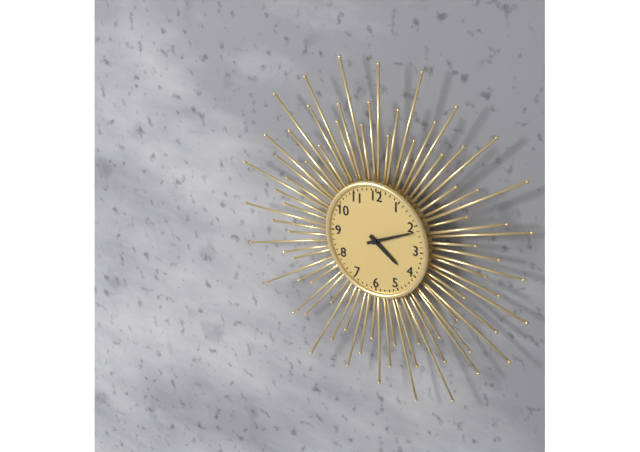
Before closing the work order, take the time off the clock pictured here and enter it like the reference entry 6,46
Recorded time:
4,11
